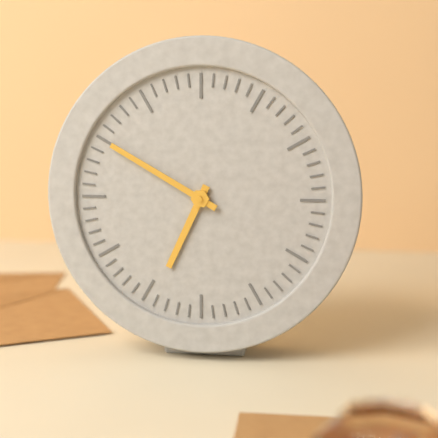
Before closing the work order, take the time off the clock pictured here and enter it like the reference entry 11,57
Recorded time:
6,50
